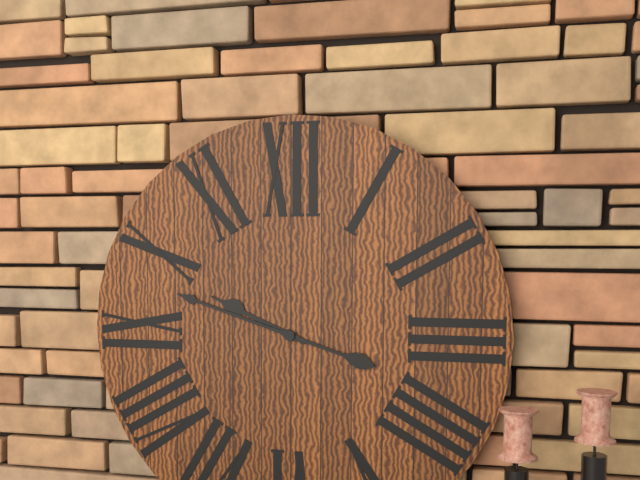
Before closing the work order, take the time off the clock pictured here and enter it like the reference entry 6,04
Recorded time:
9,48
